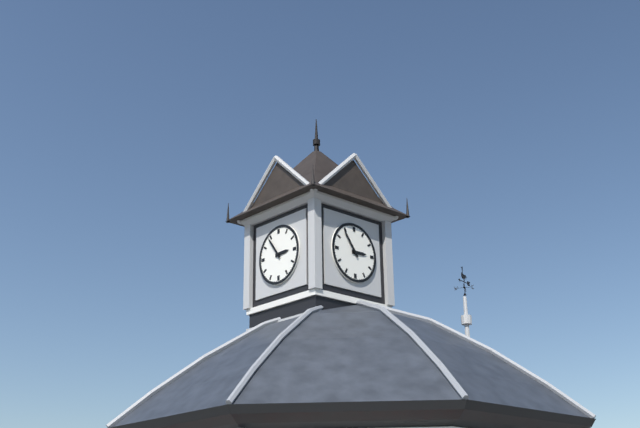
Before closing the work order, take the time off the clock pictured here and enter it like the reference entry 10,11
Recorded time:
2,54
